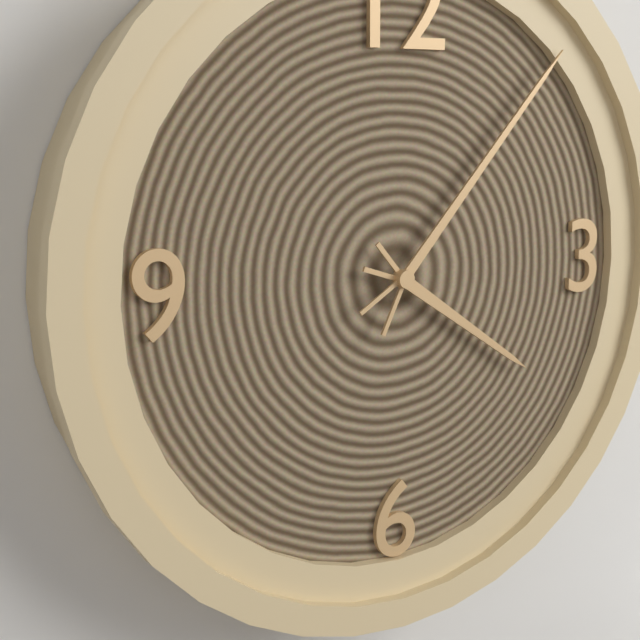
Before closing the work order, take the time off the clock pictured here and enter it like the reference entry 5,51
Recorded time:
4,07
